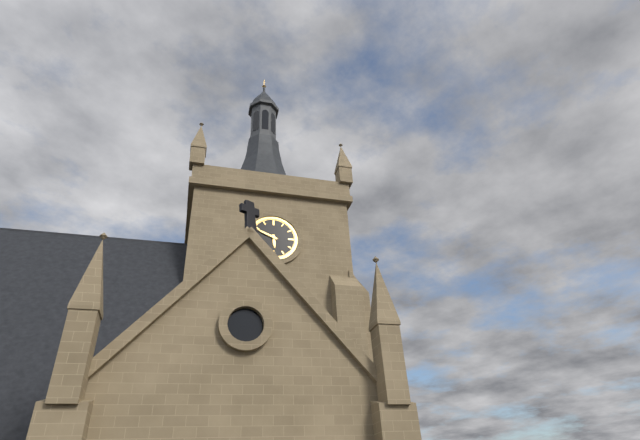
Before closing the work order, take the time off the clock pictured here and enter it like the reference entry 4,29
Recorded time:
5,49
